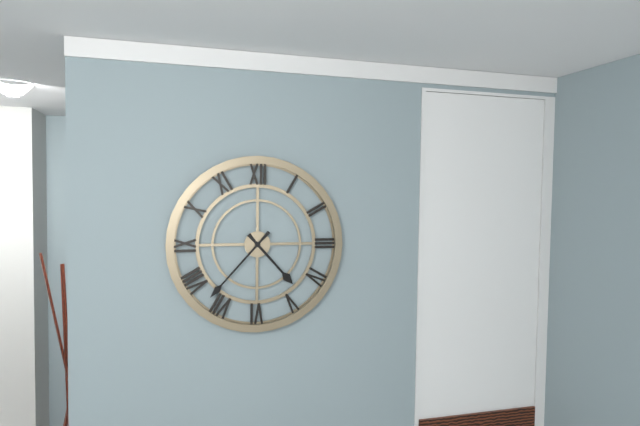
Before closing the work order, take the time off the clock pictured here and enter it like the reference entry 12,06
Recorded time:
4,37
